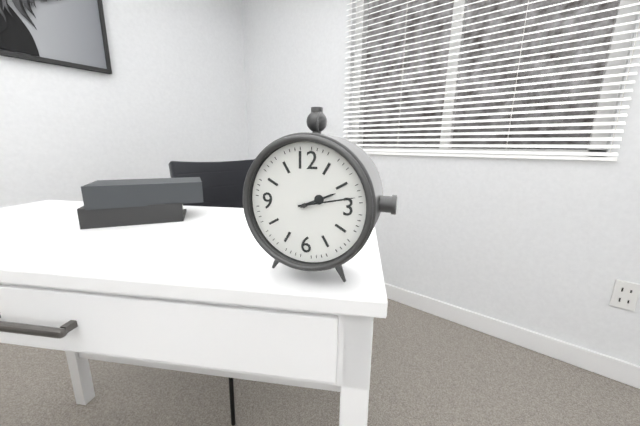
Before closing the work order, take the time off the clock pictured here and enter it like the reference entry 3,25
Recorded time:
2,13
